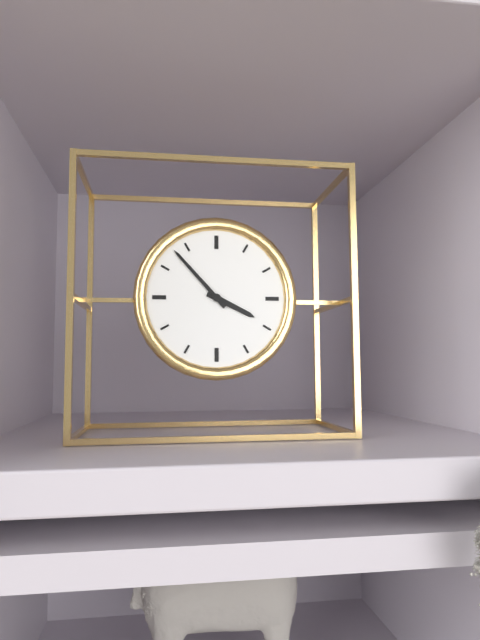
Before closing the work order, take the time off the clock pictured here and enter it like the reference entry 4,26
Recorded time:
3,53
